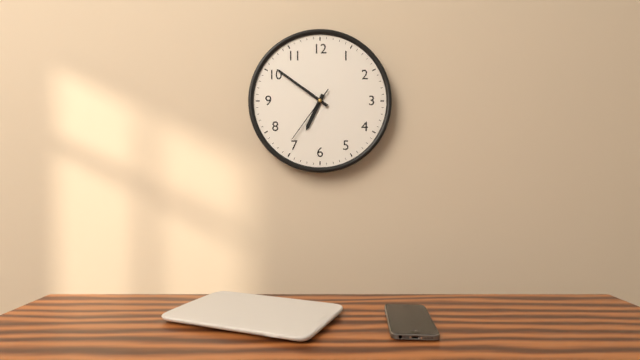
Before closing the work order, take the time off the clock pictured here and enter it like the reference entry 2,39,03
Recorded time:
6,51,36
